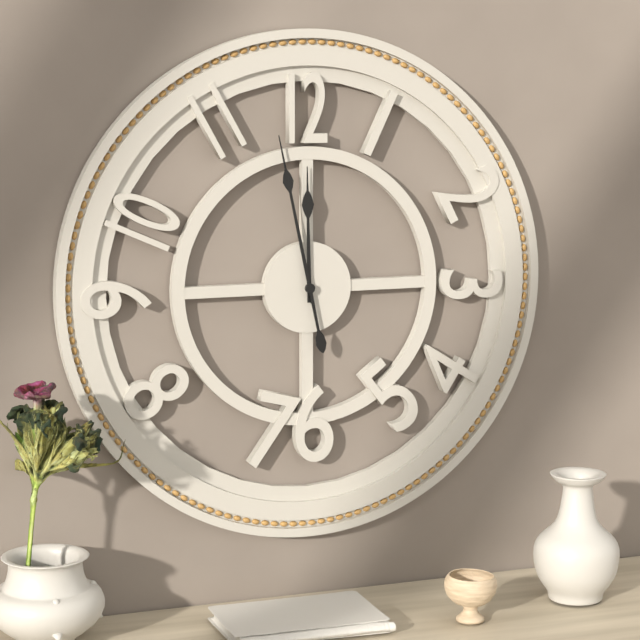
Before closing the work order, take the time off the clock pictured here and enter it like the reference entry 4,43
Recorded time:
11,58
